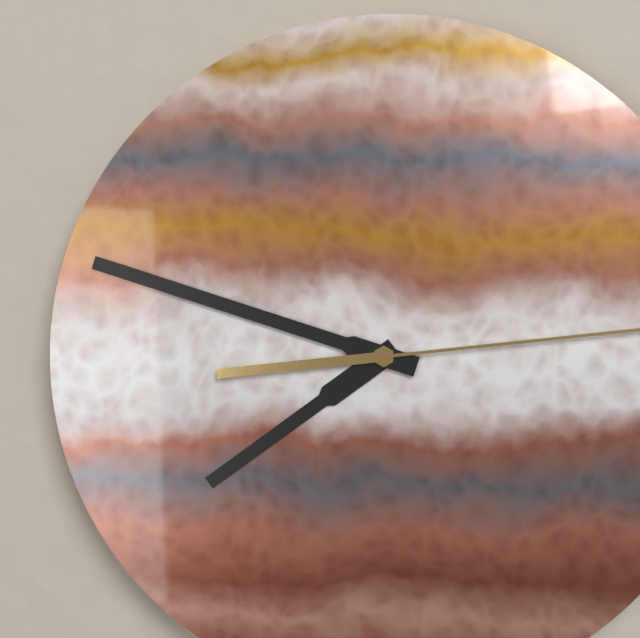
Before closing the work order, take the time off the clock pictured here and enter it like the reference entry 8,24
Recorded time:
7,48
